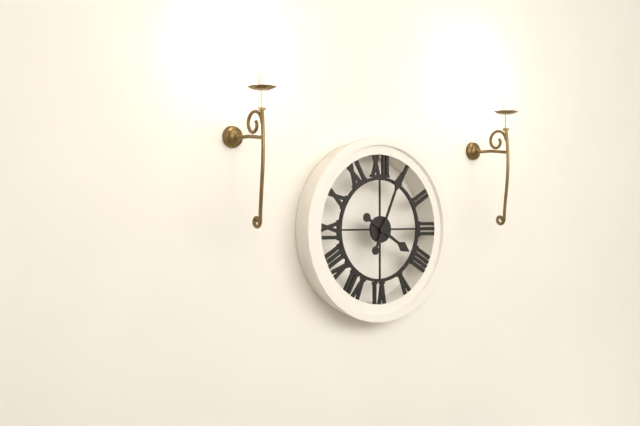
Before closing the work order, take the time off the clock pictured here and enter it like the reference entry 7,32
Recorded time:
4,04
